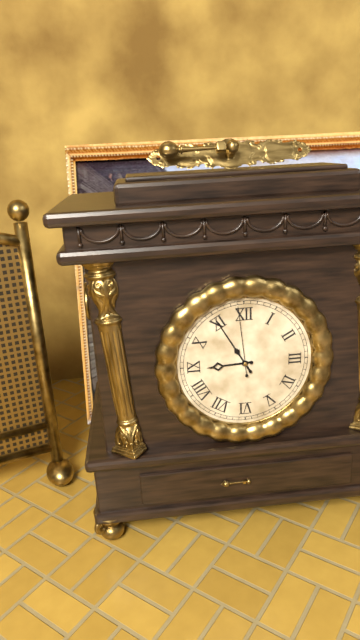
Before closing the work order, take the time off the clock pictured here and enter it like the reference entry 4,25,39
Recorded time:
8,55,59
